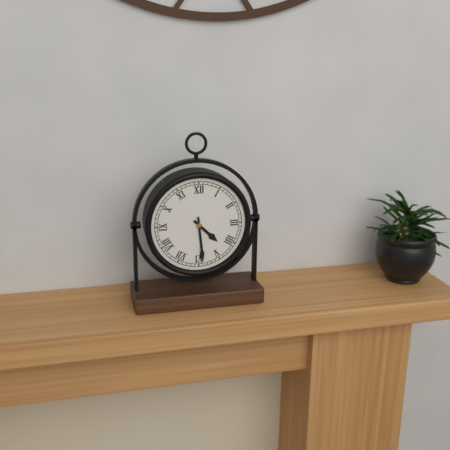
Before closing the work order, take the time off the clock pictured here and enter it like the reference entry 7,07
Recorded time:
4,29
